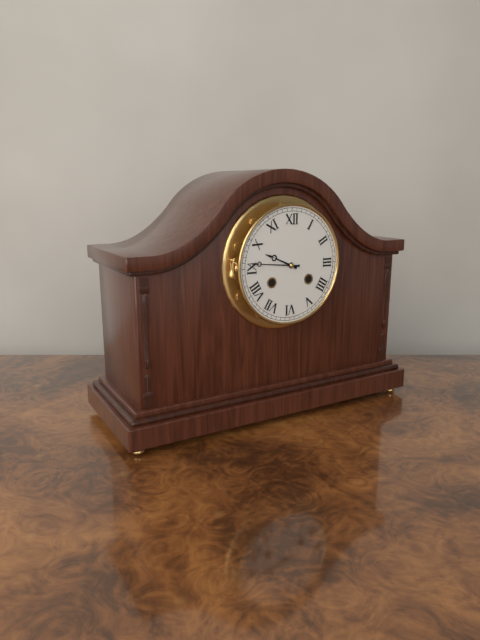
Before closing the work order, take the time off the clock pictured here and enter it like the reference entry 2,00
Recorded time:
9,46
